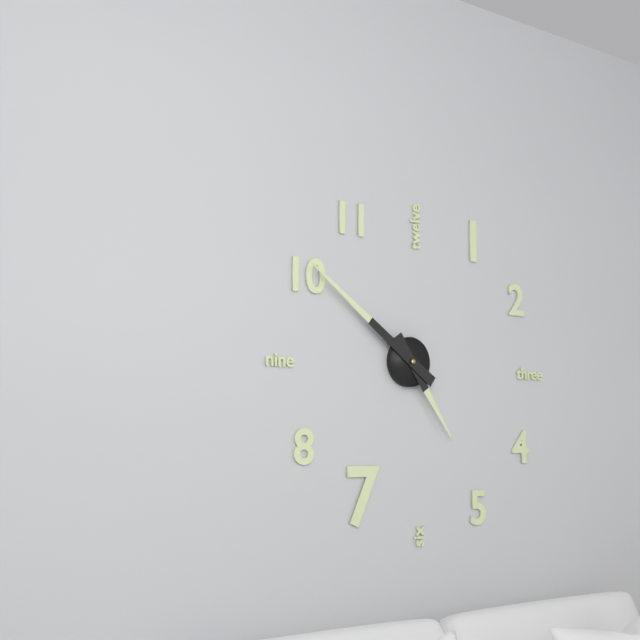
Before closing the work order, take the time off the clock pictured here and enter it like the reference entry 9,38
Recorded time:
4,51
